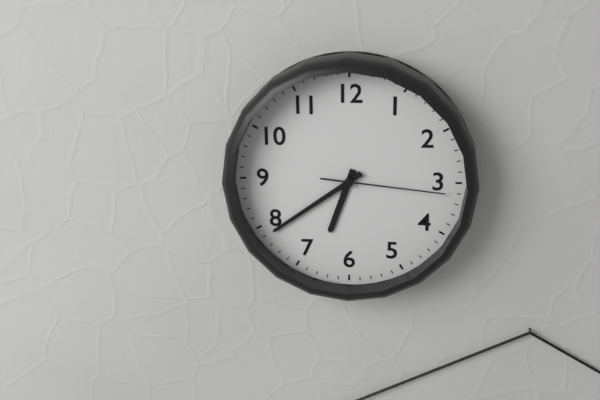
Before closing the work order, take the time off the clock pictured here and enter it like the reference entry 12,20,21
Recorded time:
6,39,16
